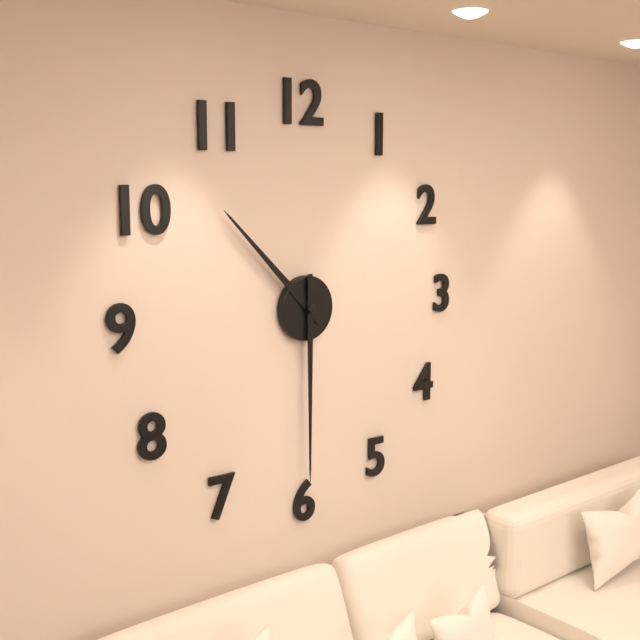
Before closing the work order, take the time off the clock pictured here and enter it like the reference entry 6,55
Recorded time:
10,30
